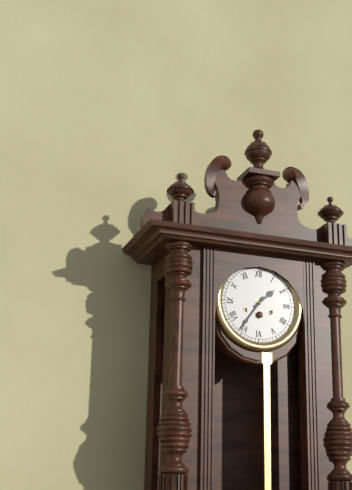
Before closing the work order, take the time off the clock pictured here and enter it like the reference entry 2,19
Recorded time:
1,36
